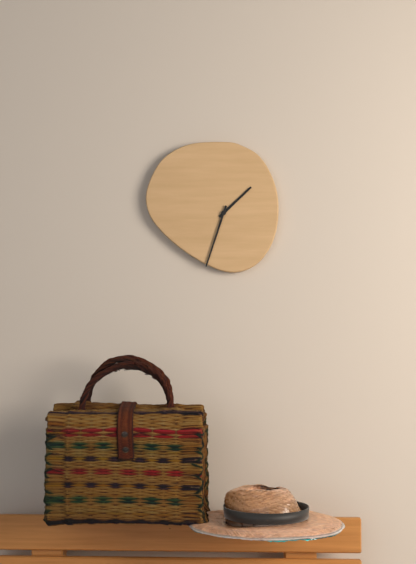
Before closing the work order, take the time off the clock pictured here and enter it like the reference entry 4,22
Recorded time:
1,33
